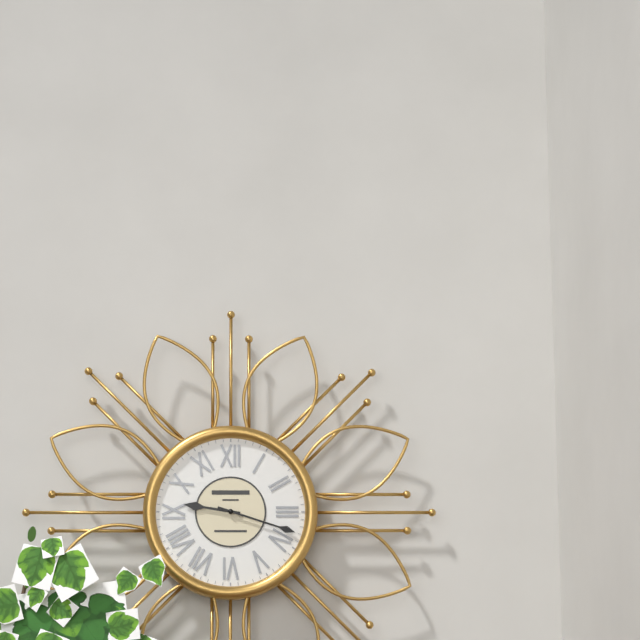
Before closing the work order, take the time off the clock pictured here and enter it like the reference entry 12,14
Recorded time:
9,18
